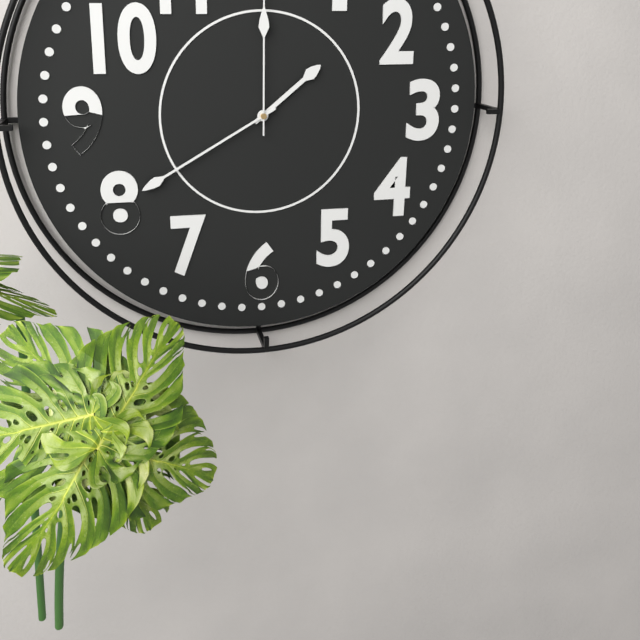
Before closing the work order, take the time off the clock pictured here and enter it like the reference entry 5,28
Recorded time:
1,40
